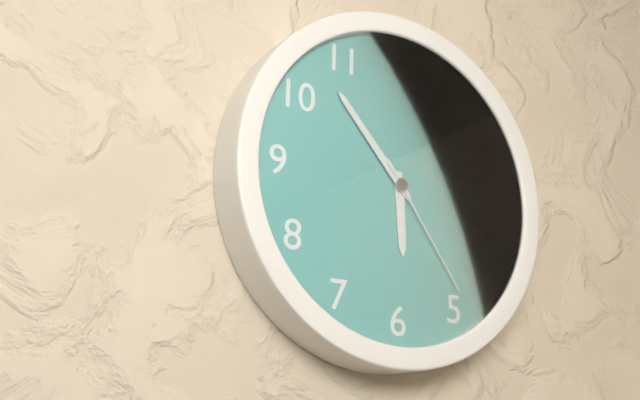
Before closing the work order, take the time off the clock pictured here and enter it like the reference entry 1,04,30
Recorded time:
5,53,24
